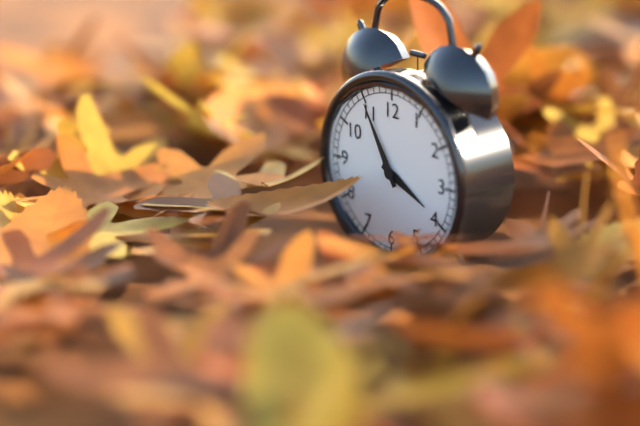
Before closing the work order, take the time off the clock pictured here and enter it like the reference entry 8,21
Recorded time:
3,55
